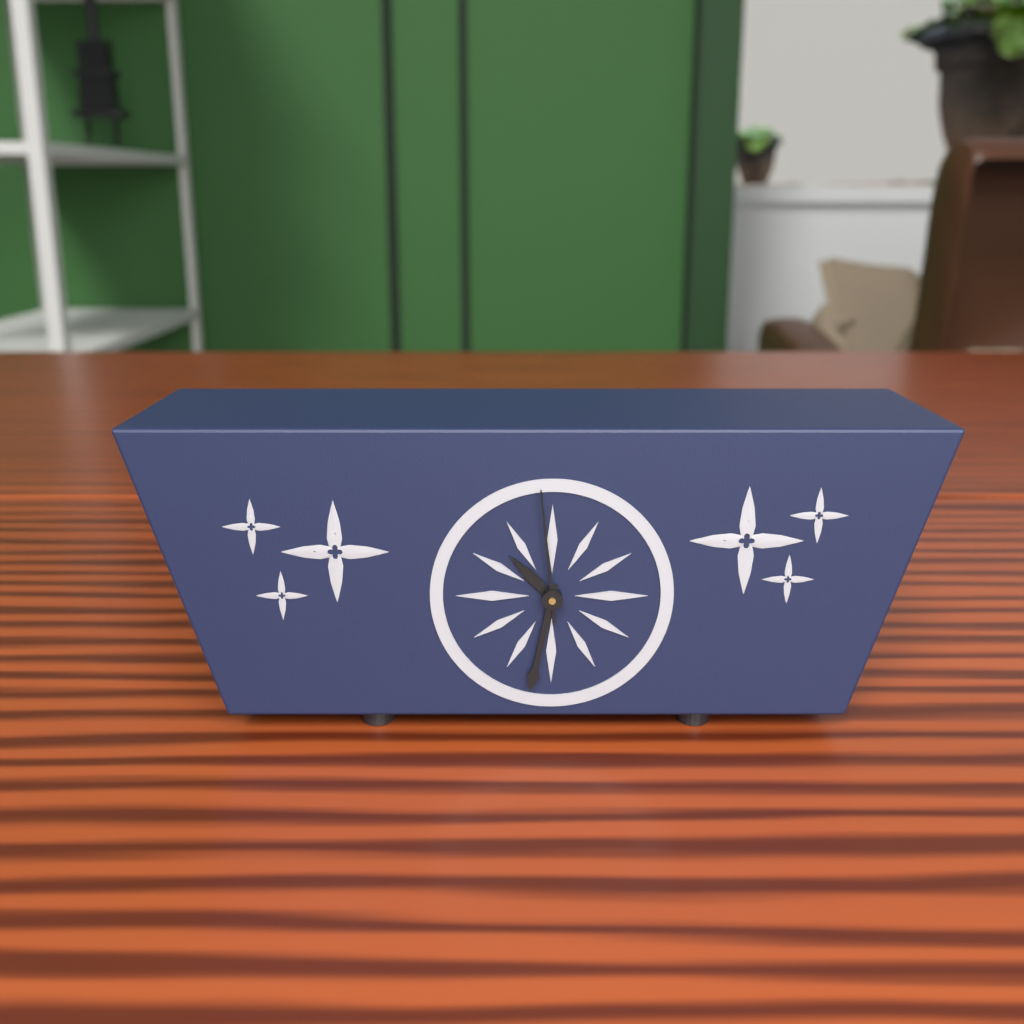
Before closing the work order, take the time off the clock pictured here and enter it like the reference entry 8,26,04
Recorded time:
10,32,59
